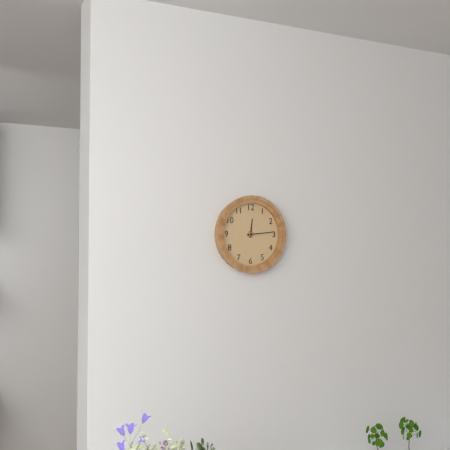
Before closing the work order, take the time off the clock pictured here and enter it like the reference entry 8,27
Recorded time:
12,14
